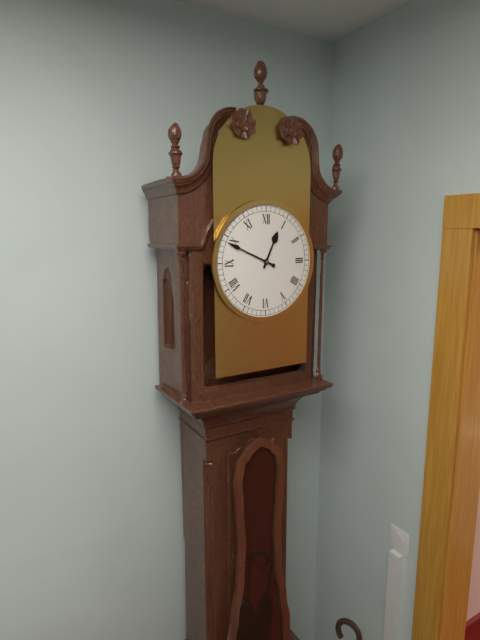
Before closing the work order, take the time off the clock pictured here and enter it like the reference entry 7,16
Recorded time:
12,49
